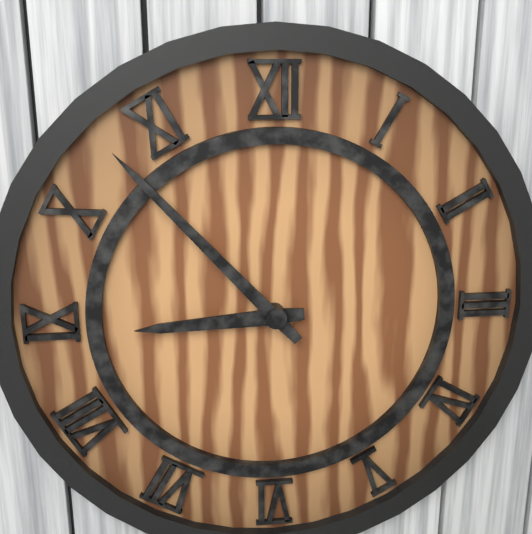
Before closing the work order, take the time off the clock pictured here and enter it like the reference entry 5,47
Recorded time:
8,53
